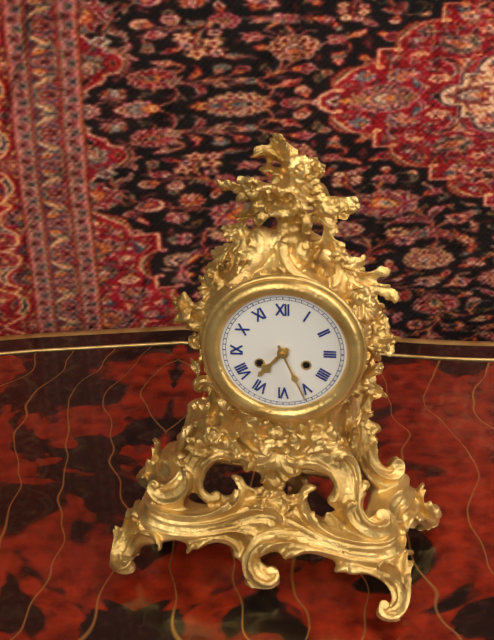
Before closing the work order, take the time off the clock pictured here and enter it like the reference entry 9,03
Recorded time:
7,26
